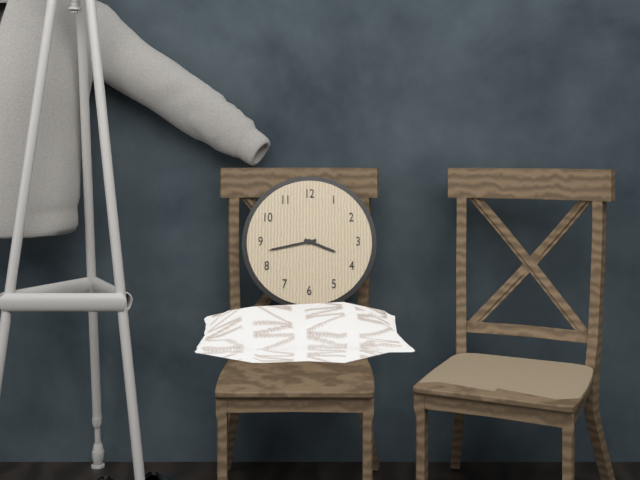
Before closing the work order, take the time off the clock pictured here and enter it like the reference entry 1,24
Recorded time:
3,43
